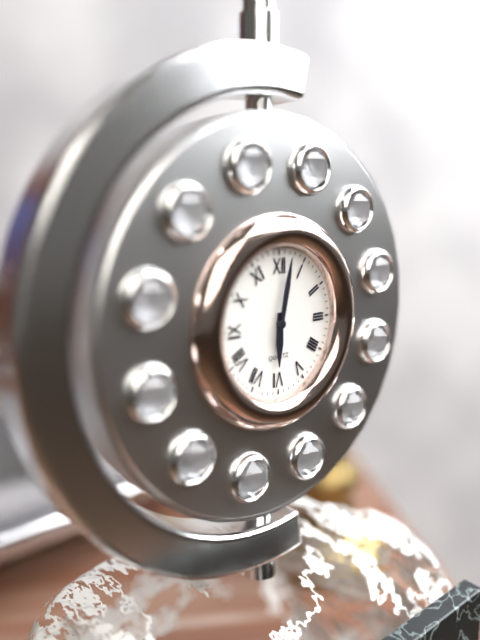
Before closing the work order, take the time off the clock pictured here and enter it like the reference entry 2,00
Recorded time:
6,02
